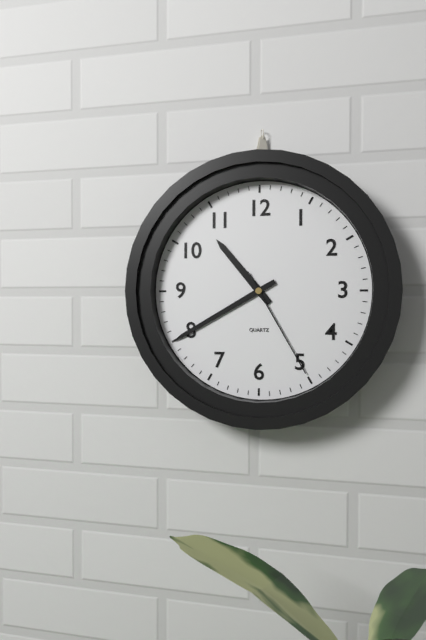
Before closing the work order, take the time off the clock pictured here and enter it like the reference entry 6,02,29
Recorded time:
10,40,25
